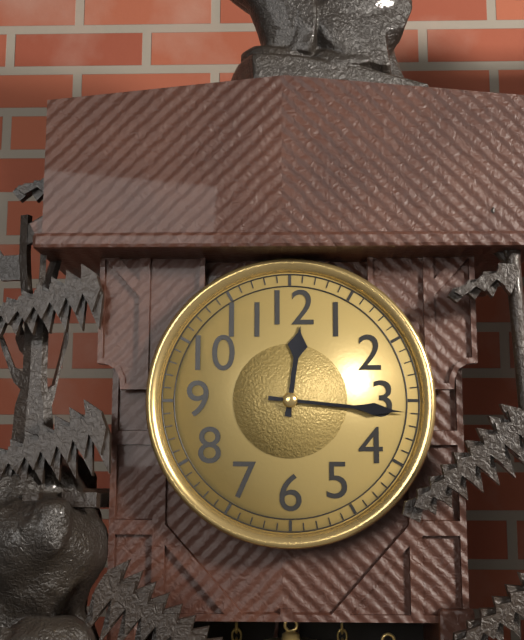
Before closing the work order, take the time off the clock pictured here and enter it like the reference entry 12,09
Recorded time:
12,16
